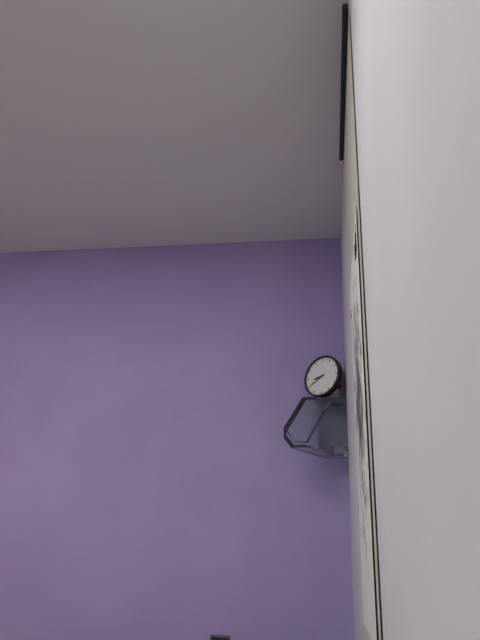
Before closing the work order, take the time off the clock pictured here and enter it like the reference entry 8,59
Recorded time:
8,40
